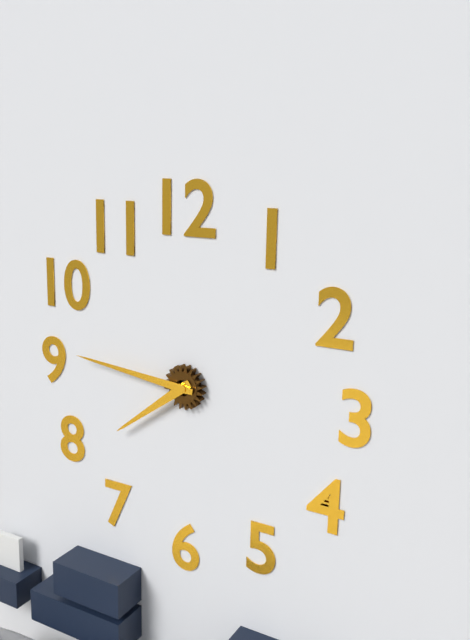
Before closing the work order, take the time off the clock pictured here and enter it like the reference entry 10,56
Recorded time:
7,46
